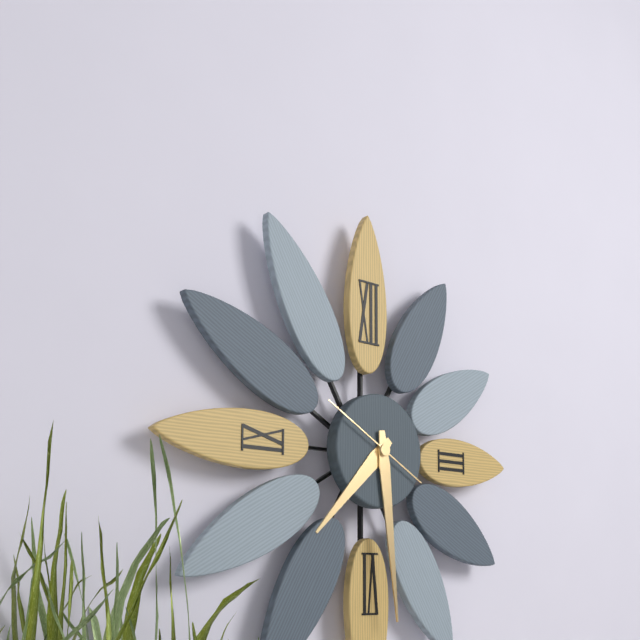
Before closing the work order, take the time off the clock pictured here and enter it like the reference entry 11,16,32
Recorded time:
7,29,50
